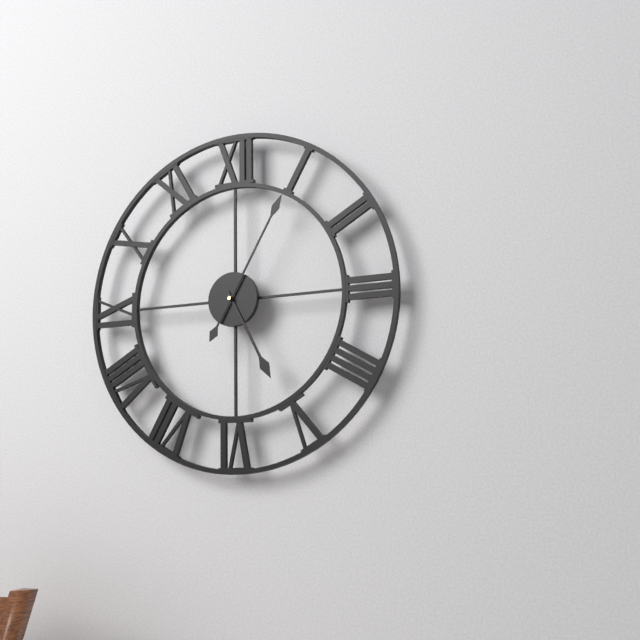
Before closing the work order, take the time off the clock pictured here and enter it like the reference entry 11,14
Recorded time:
5,05
